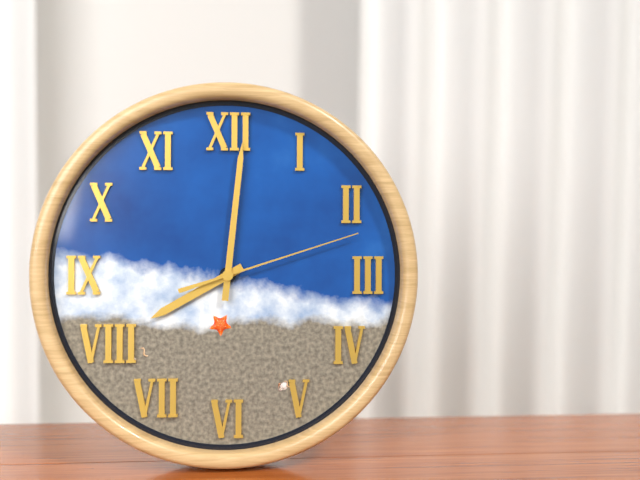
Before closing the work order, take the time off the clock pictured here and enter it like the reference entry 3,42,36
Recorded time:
8,01,12
